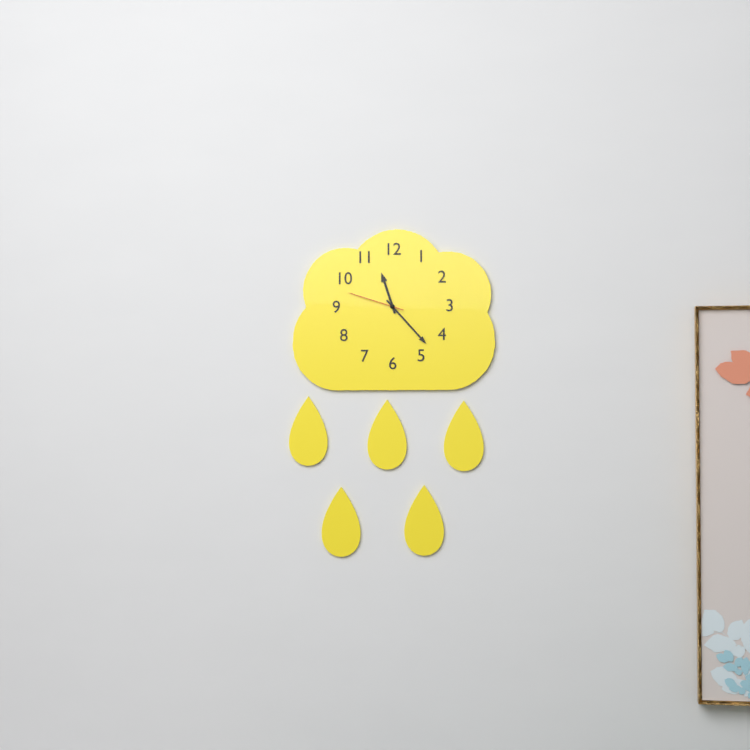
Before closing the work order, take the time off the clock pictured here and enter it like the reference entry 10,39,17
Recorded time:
11,23,48
